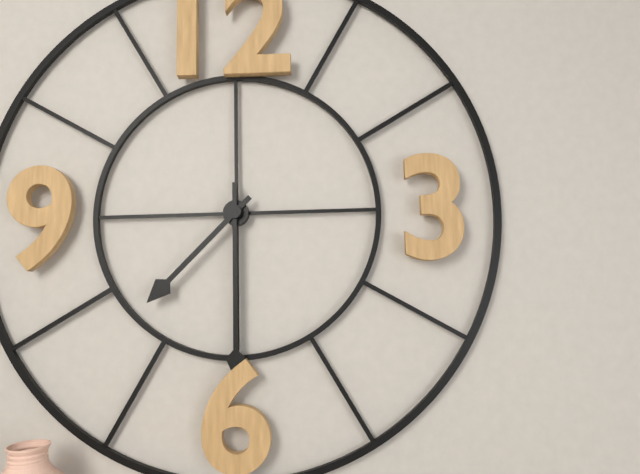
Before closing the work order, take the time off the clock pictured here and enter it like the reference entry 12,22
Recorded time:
7,30
